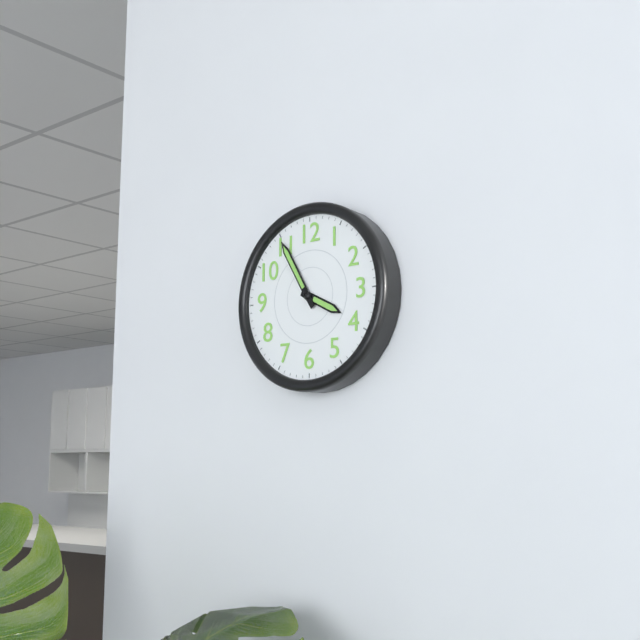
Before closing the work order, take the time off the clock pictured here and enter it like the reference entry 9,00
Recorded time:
3,55
